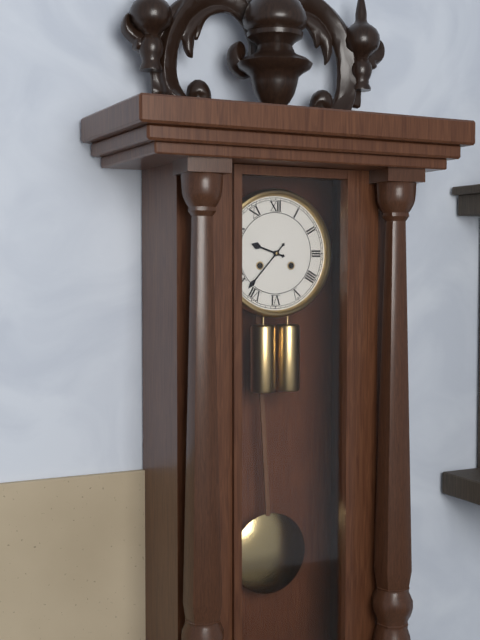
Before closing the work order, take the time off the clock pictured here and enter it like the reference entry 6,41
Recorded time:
9,37
